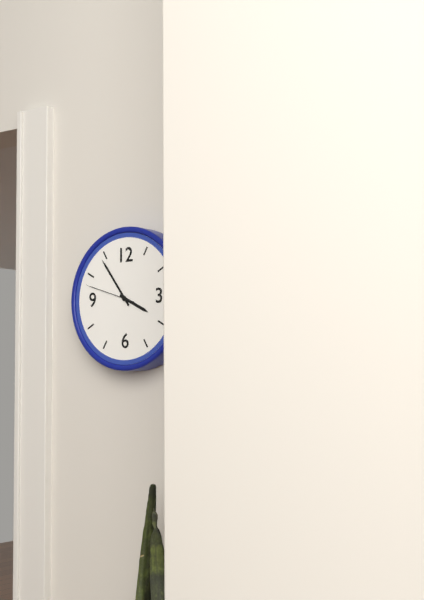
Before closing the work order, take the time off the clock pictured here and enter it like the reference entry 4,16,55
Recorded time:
3,54,48
